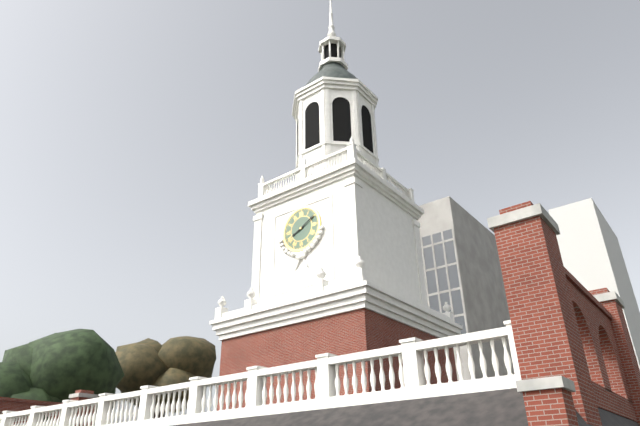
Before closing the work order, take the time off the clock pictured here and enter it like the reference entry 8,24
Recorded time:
8,10
